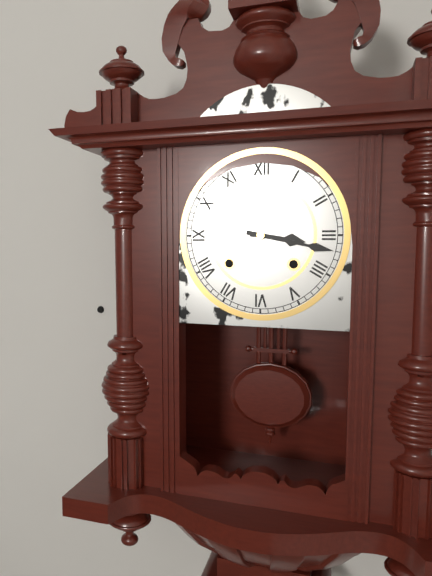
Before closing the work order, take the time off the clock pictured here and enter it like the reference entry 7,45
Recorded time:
3,17
